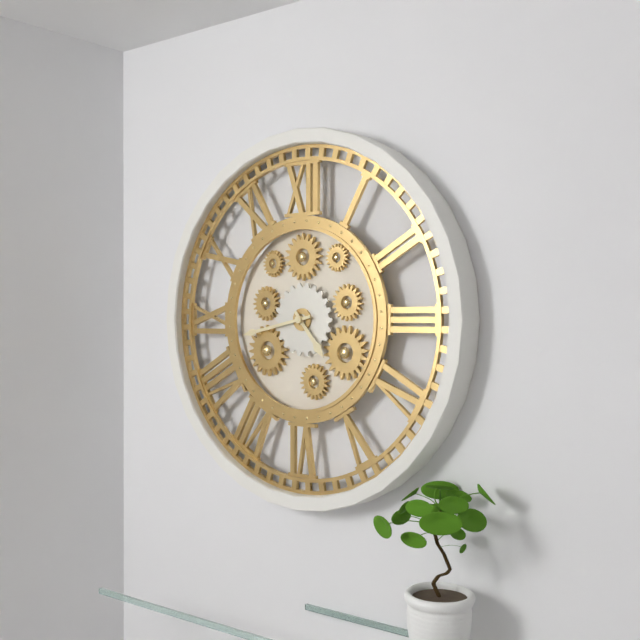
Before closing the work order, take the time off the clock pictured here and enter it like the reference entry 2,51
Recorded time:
4,43
